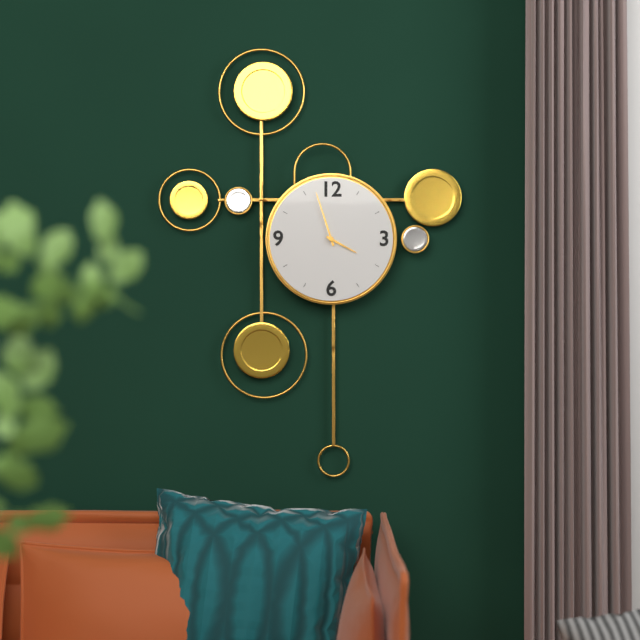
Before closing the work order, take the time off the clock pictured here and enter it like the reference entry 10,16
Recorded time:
3,57
